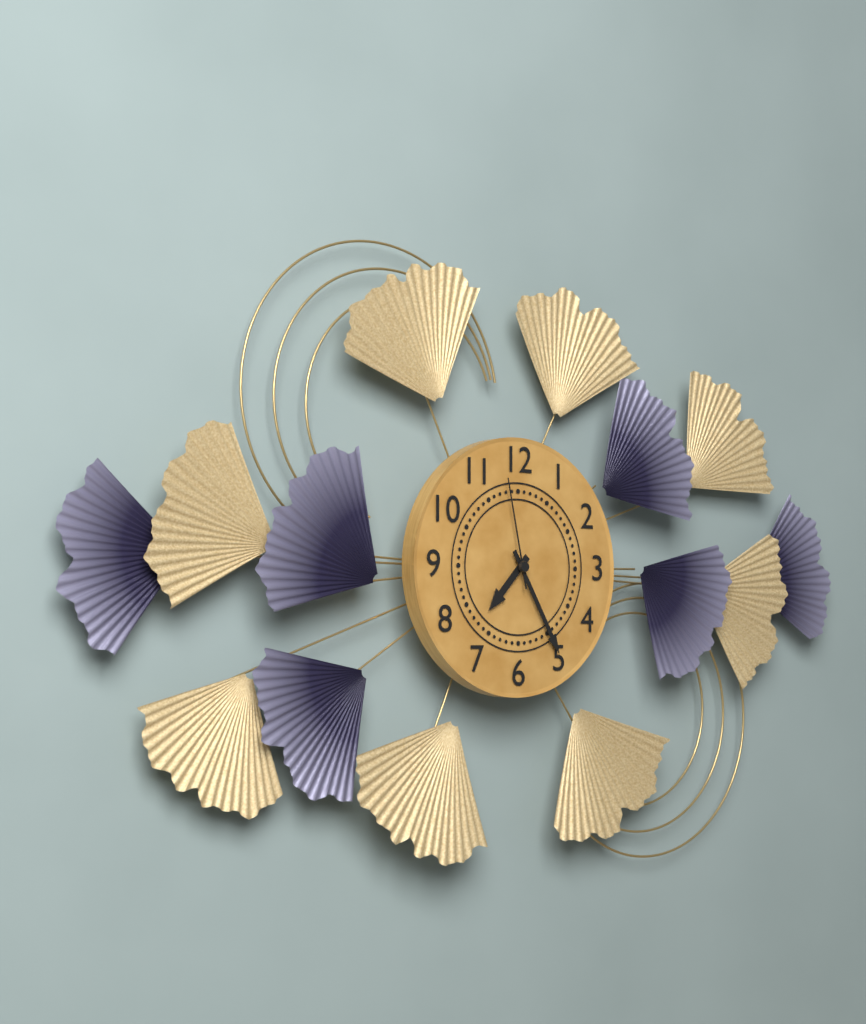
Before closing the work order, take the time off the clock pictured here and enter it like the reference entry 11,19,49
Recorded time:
7,25,58
